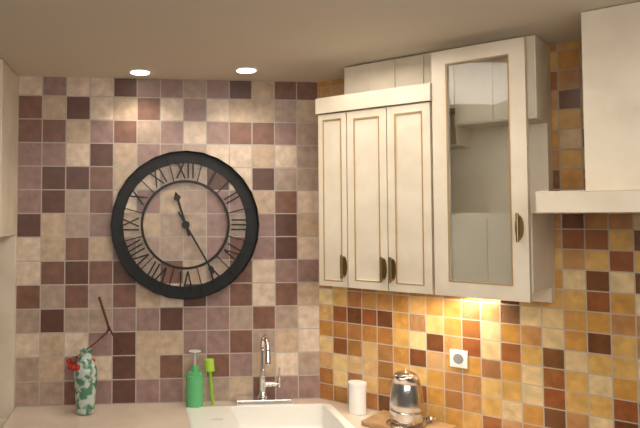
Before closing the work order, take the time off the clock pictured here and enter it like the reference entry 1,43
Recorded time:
11,25
